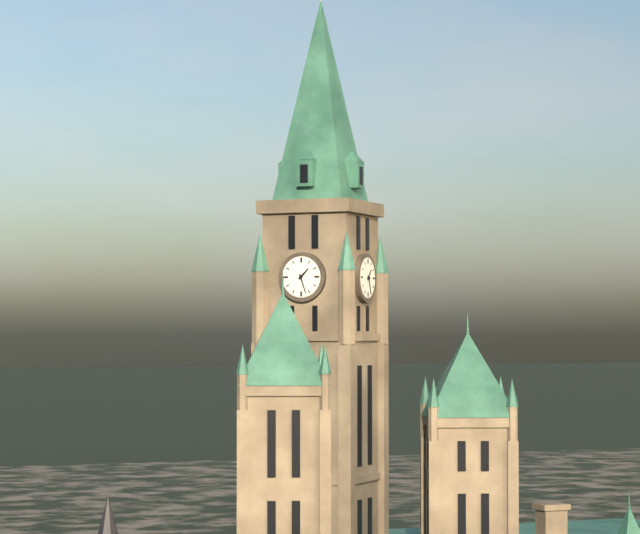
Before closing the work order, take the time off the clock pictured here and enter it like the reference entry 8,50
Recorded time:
1,27
